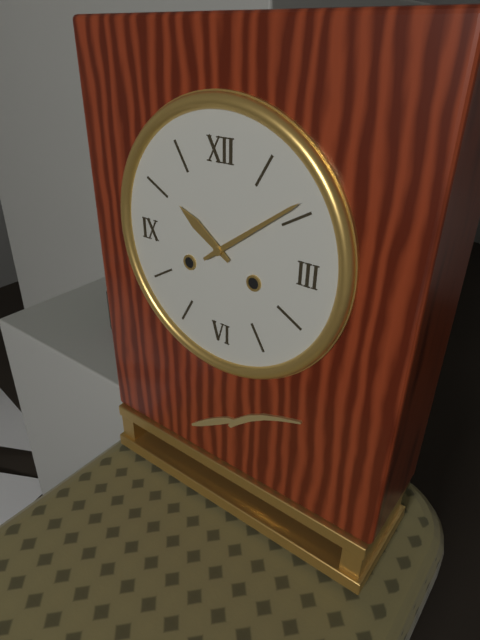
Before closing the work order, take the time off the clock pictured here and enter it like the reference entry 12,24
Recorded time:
10,09
